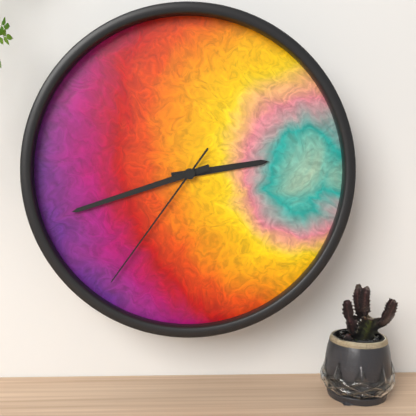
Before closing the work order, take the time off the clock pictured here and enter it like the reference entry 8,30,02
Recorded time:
2,42,36
